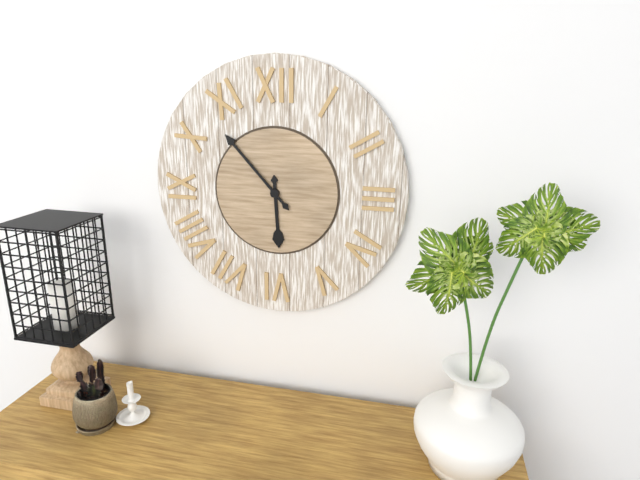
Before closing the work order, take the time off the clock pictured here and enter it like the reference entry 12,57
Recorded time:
5,53
